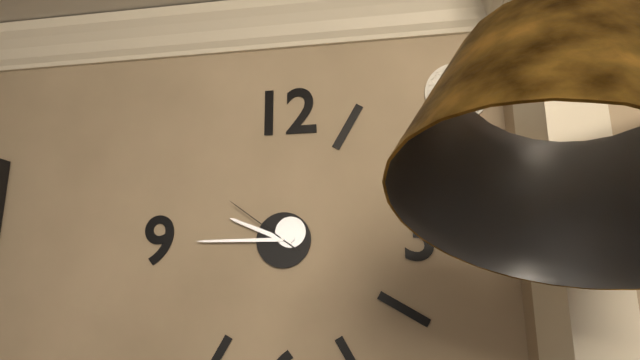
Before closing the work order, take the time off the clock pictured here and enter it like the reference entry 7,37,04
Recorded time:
9,45,51
